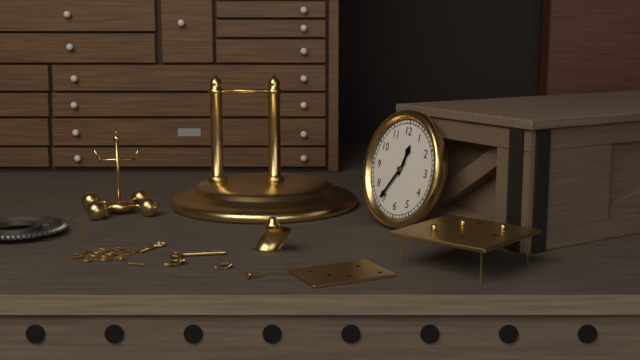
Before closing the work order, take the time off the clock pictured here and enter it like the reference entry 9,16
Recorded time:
12,36
